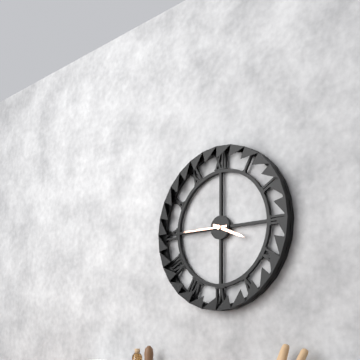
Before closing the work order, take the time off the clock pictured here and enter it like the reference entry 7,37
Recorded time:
3,45
